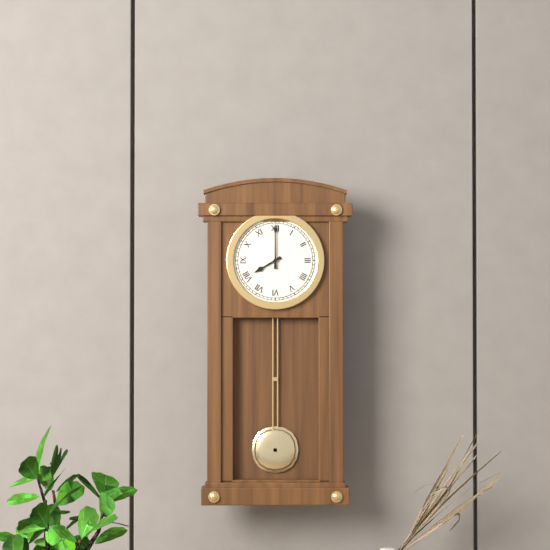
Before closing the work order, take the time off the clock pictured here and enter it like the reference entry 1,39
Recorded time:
8,00
